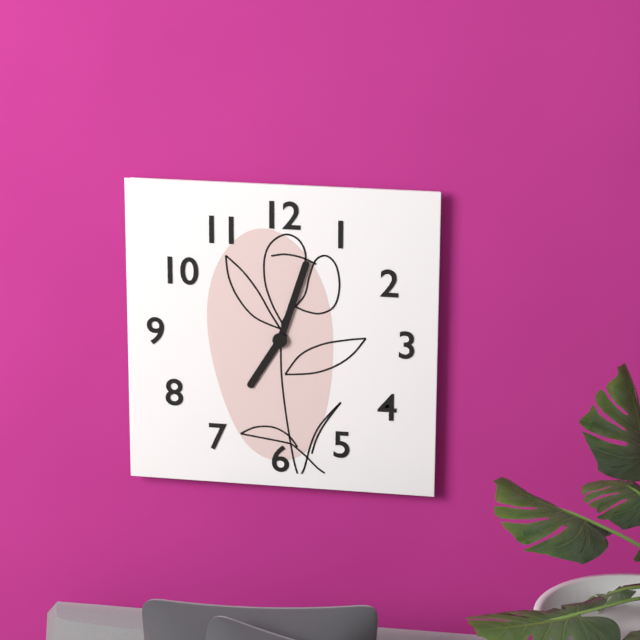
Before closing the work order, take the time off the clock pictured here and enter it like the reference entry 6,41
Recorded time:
7,03
